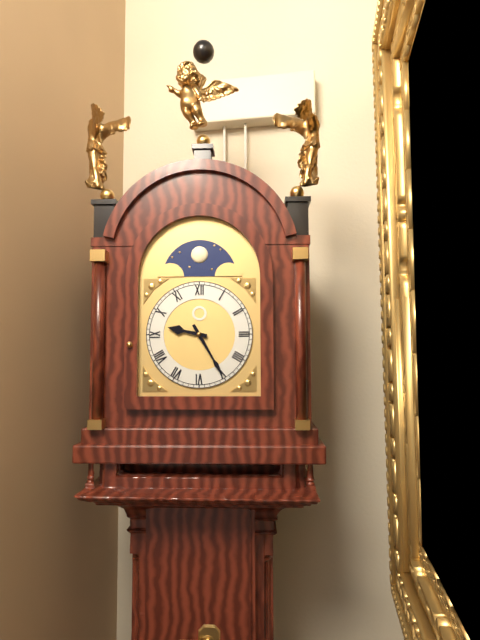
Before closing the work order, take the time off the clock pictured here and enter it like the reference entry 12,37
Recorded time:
9,25
